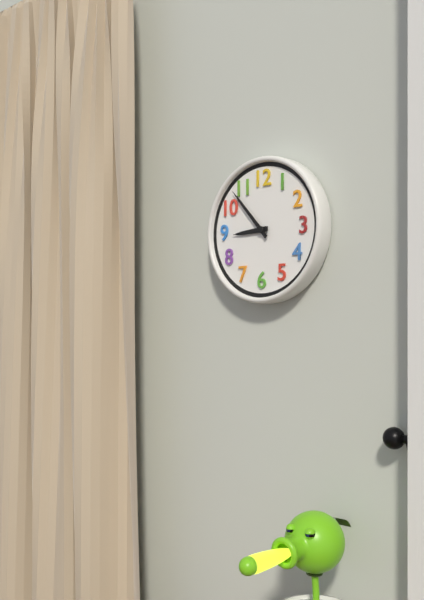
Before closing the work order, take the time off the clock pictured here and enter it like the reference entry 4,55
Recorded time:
8,53
